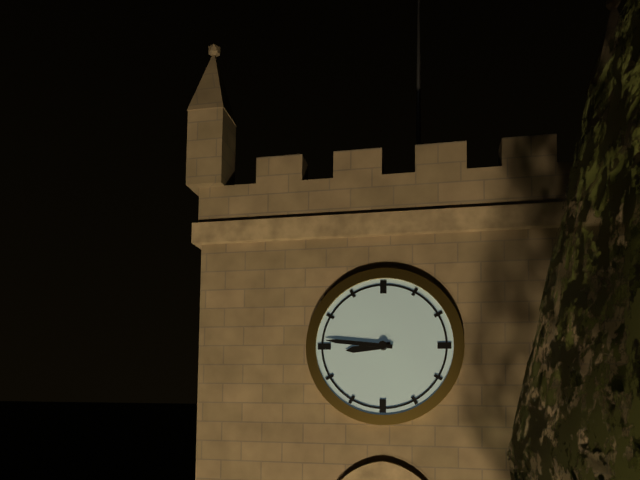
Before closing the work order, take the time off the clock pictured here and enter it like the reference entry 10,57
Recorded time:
8,46
